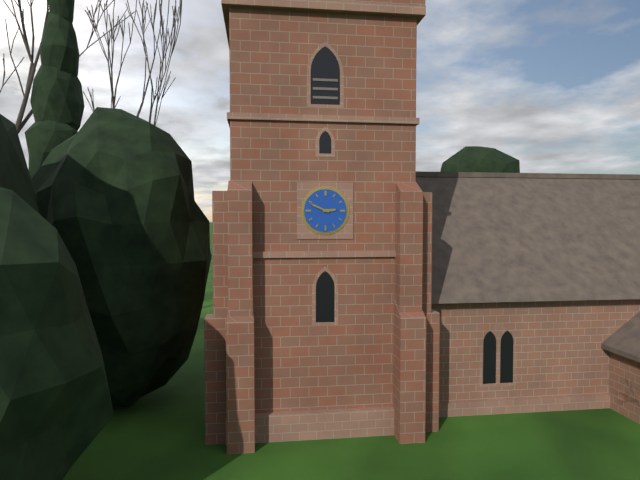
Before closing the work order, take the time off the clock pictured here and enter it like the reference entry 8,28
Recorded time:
2,49
